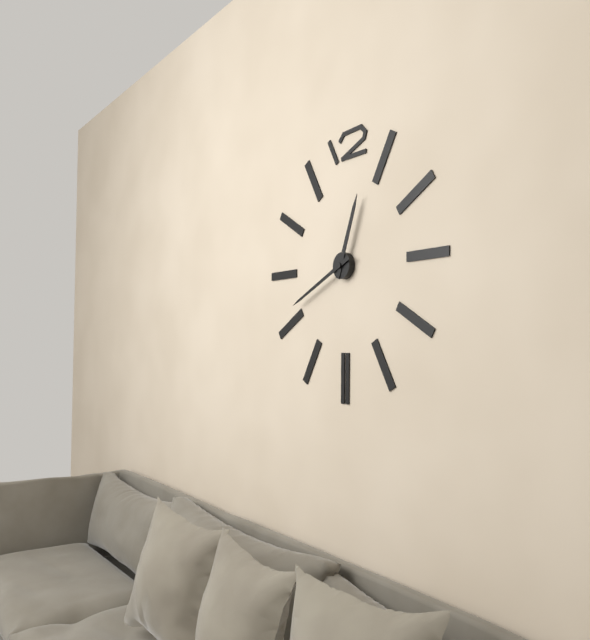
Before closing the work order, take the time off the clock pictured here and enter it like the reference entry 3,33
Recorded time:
12,41
